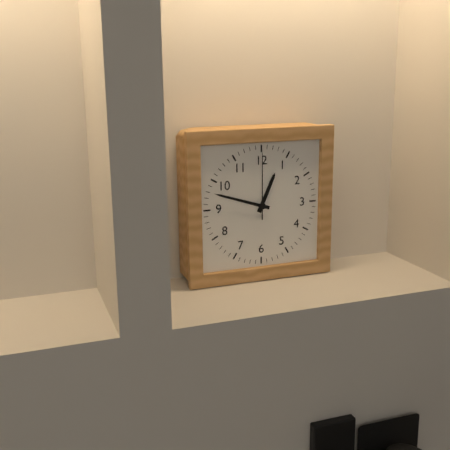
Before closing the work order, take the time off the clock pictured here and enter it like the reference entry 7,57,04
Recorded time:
12,48,00
